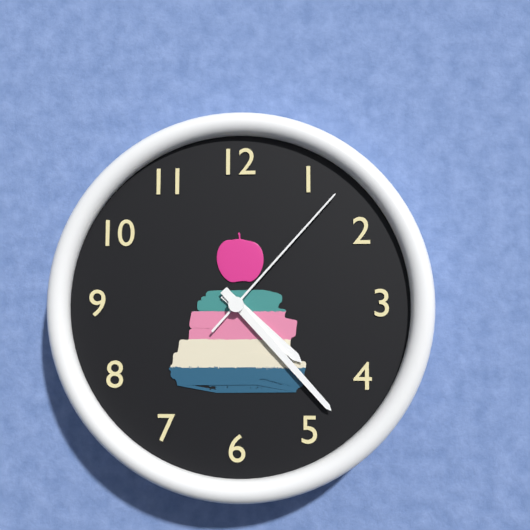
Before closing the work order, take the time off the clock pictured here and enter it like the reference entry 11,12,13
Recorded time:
4,23,07
